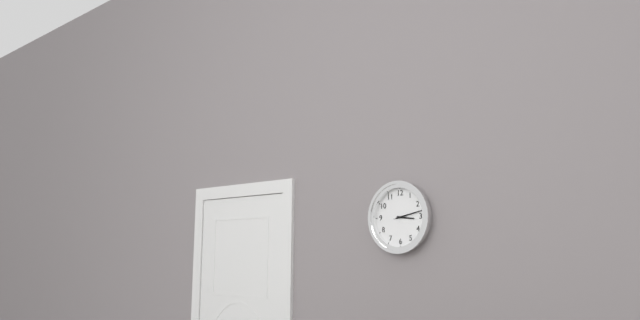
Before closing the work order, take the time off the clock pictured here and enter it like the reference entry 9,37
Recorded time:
3,13
